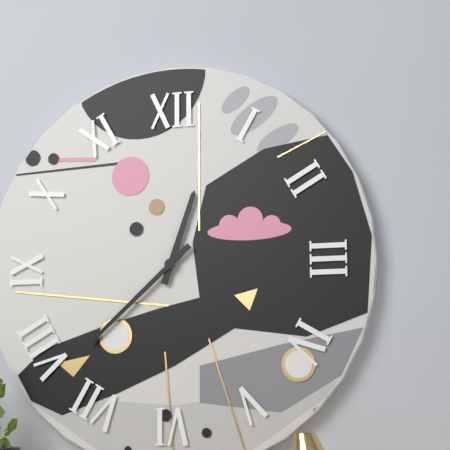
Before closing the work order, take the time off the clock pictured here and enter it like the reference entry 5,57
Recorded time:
12,38
